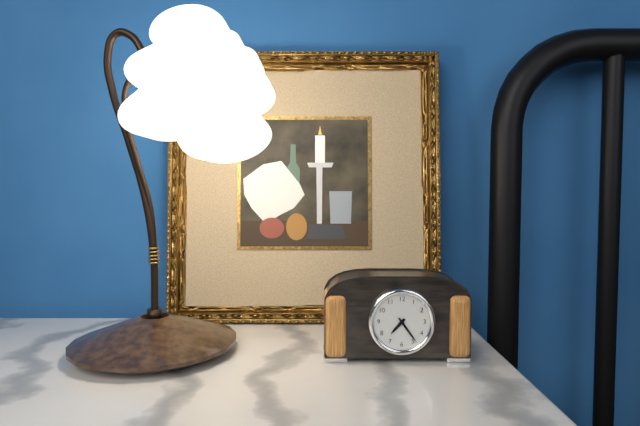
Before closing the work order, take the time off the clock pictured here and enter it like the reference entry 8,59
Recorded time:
7,24
